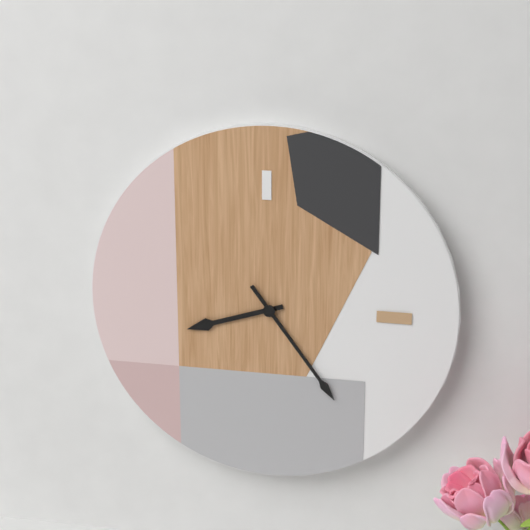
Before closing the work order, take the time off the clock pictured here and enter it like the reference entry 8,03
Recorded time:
8,24
